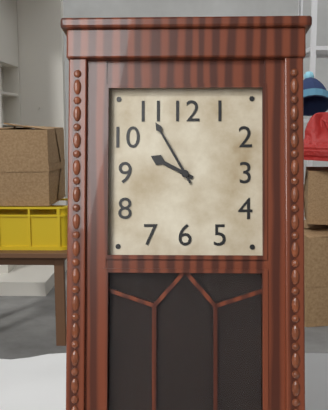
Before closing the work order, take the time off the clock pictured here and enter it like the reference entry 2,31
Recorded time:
9,55
